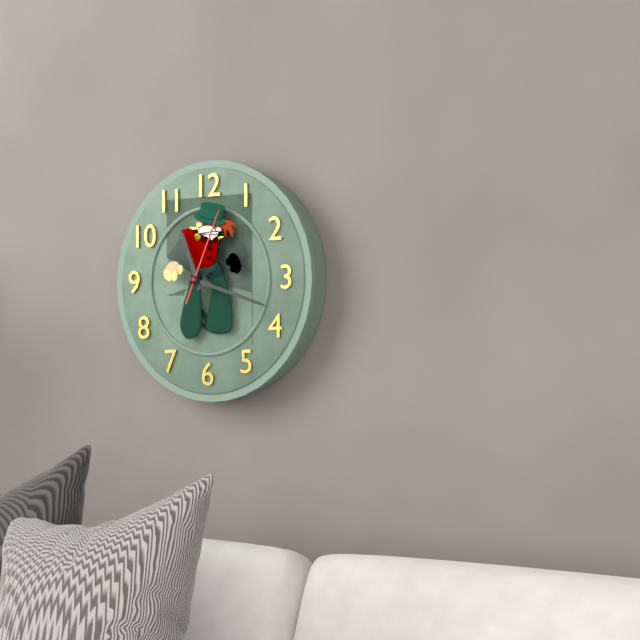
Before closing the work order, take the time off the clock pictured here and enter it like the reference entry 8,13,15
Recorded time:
11,18,04
